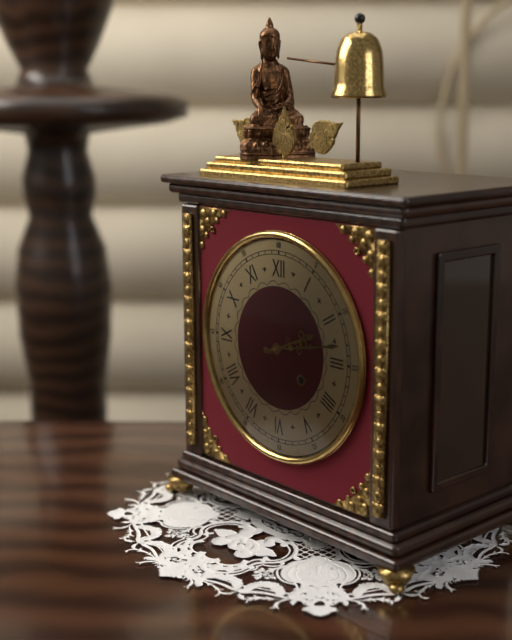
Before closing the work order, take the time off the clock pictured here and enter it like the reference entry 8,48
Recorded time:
2,13
